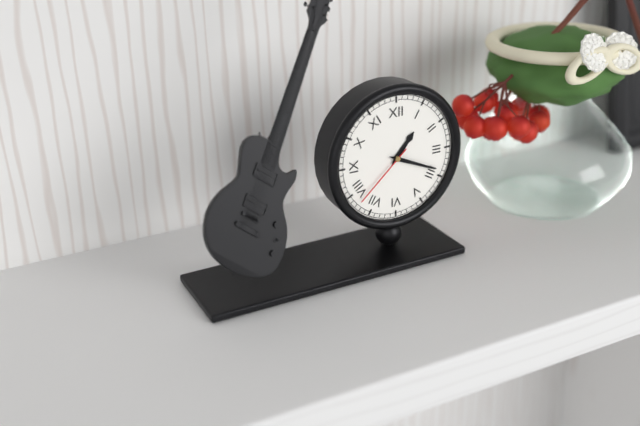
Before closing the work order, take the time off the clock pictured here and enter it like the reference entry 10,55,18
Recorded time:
1,19,38
